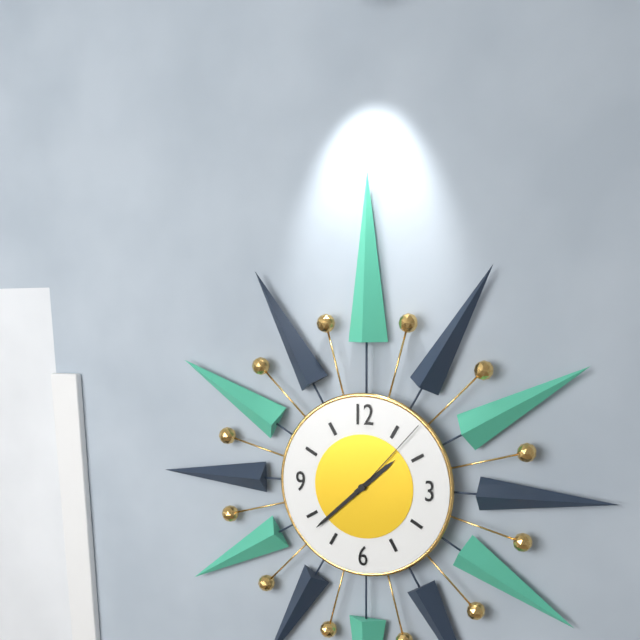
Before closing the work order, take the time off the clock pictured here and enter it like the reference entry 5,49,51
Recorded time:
1,38,07
